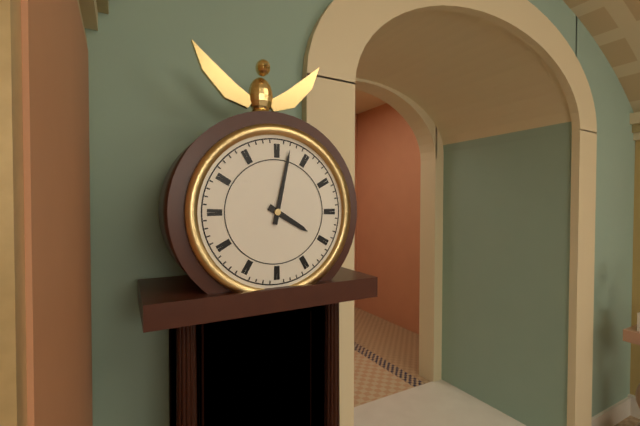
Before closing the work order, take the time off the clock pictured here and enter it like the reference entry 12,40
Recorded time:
4,02
